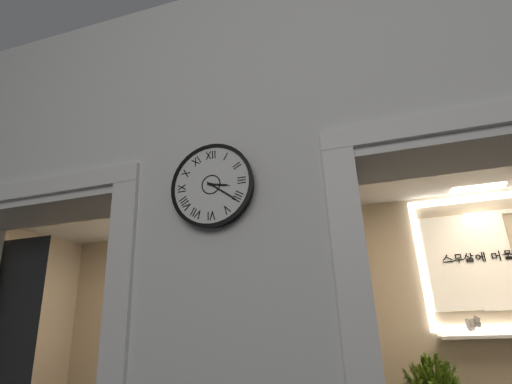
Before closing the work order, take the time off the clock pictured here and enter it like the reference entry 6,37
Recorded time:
3,21
